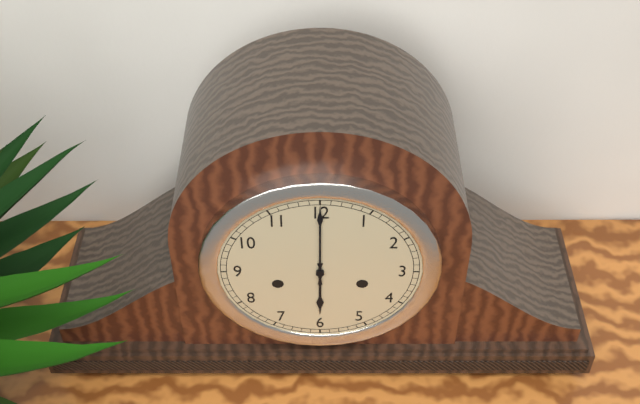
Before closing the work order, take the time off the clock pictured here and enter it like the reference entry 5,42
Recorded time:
6,00
